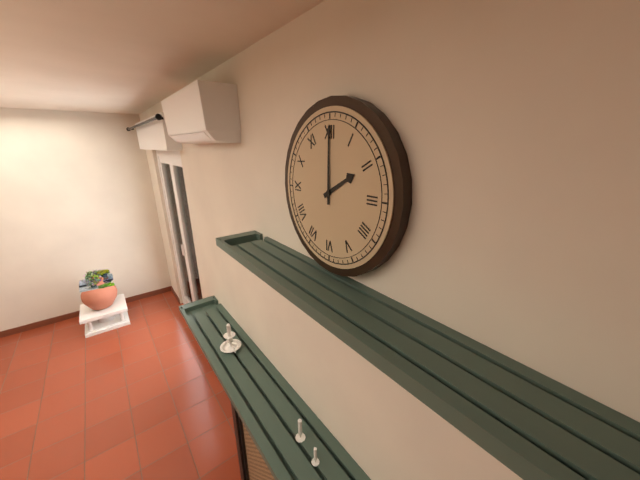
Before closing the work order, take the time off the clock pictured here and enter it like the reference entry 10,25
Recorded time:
2,00
